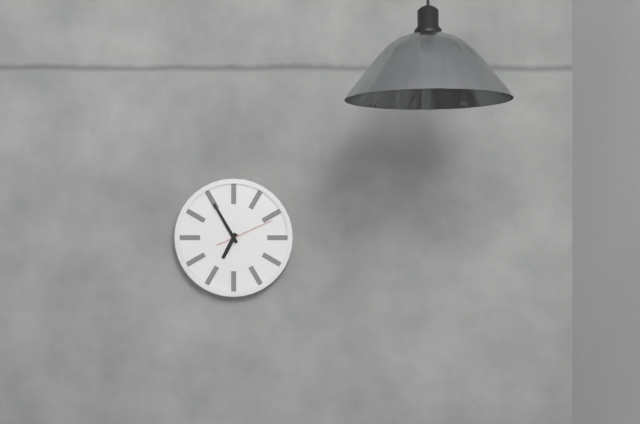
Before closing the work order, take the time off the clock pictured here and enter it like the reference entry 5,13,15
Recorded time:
6,55,11
